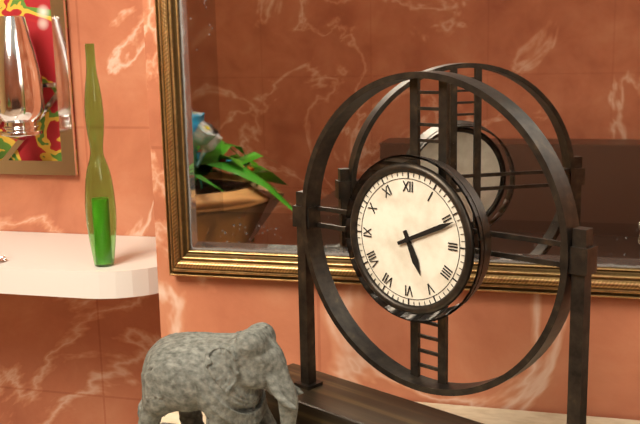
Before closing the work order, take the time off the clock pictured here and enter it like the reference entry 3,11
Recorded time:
5,11
